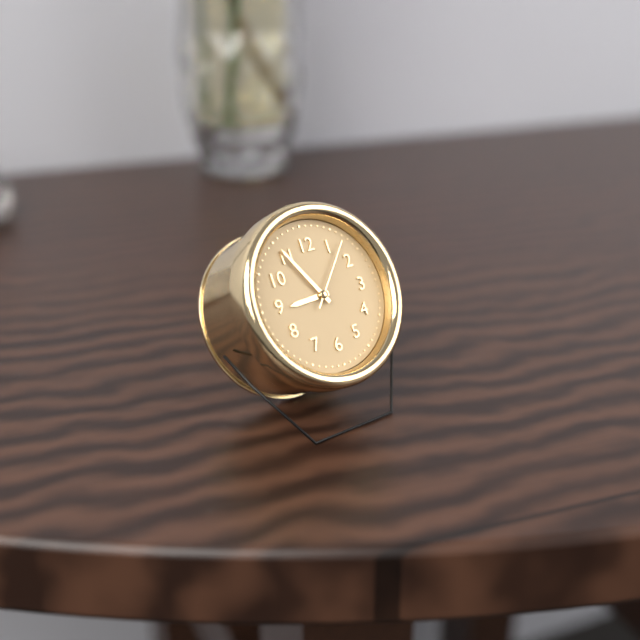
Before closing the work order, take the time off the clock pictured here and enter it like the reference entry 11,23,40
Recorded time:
8,55,07
